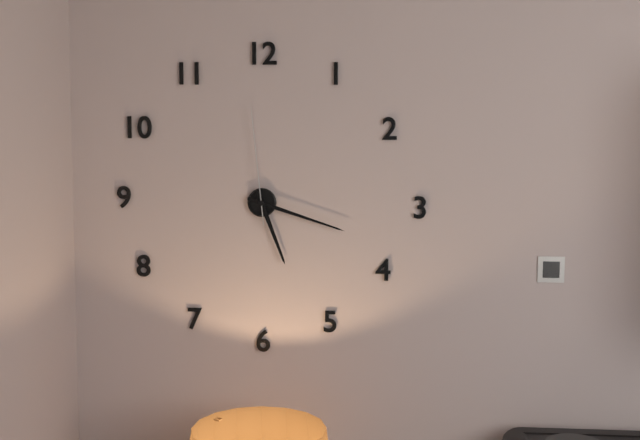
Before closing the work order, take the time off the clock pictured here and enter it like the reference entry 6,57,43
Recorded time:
5,18,59
